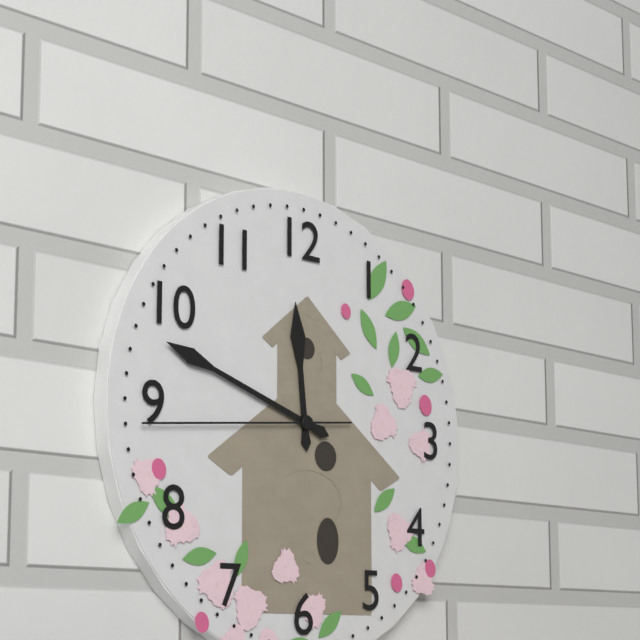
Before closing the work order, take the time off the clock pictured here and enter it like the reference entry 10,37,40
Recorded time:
11,48,44
